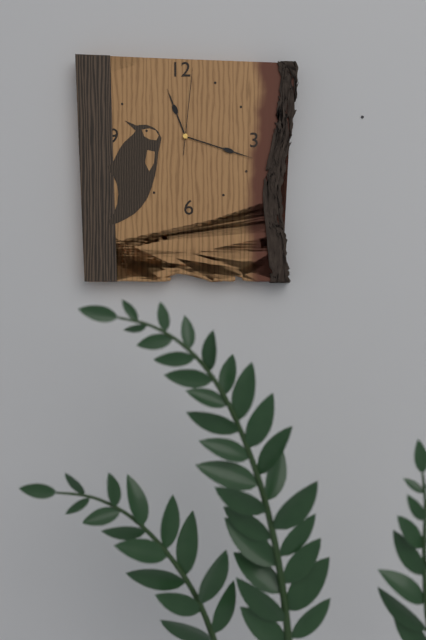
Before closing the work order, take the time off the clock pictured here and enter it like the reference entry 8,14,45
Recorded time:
11,18,01
